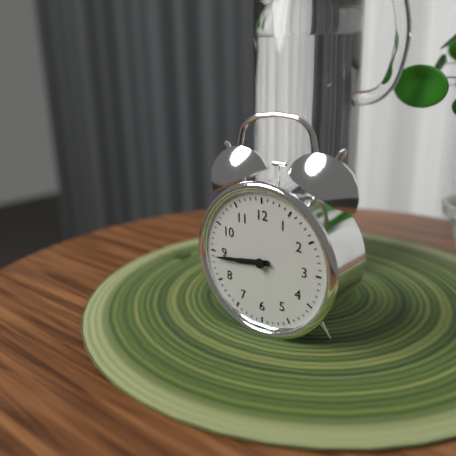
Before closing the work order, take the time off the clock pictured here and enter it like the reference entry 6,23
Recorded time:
8,44
